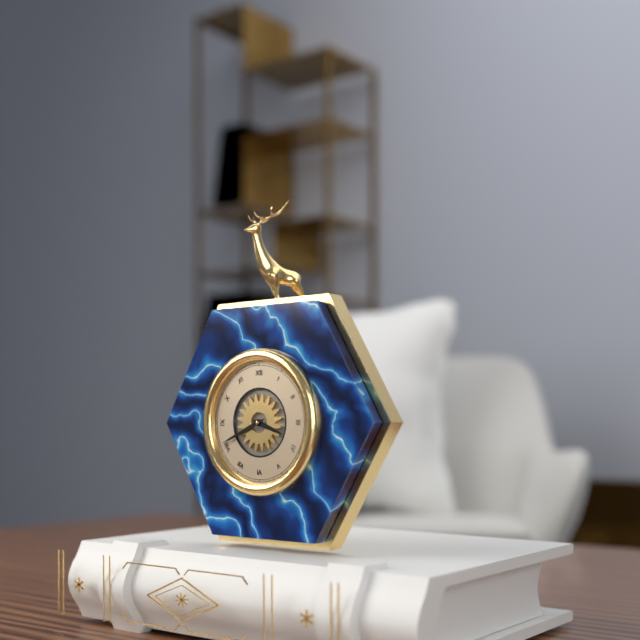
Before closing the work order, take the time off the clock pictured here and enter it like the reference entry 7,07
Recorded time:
3,41
